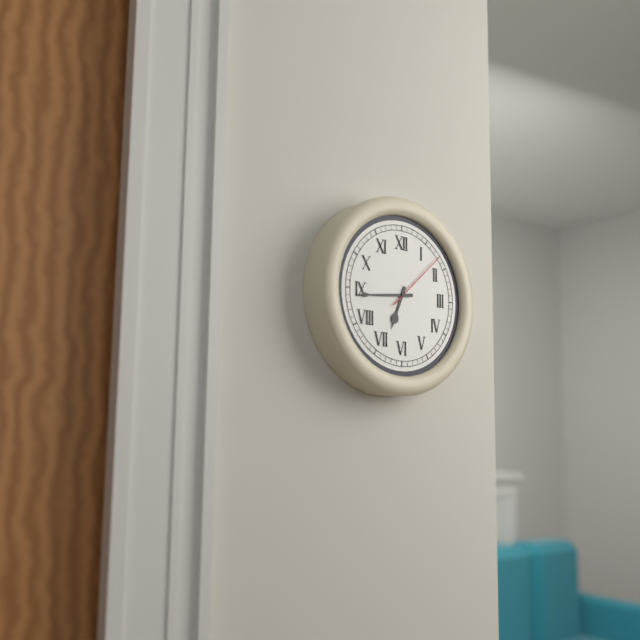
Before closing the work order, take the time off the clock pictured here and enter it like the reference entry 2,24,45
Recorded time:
6,44,08
